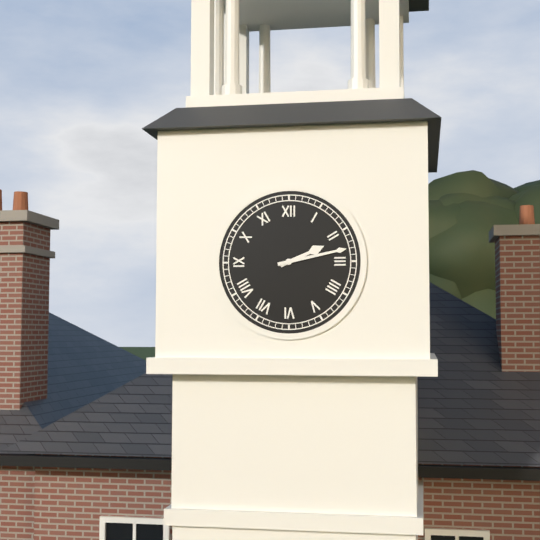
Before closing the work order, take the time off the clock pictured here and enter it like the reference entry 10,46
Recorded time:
2,13
